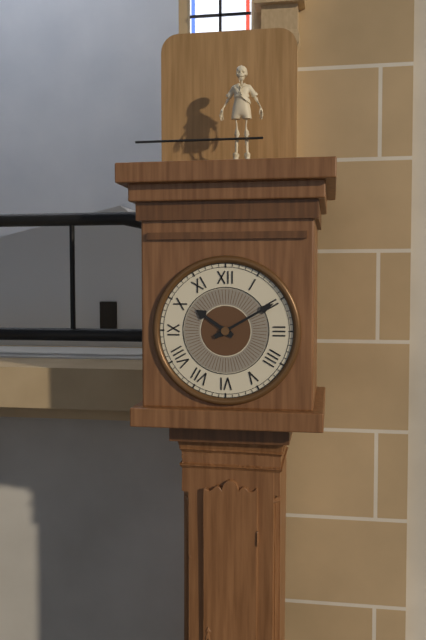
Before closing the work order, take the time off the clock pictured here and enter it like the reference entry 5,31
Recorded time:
10,10
